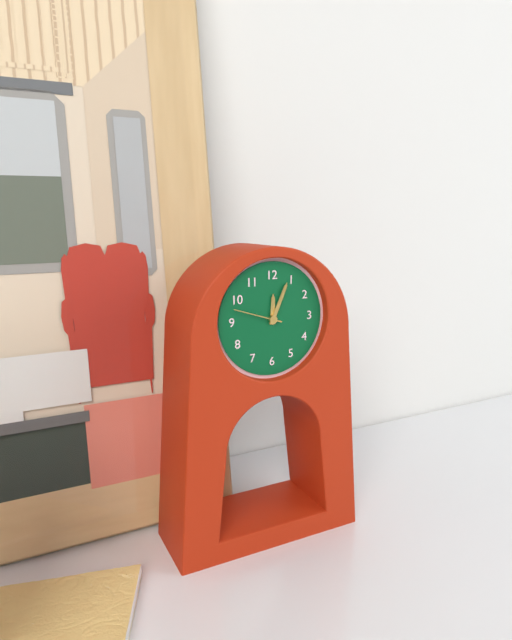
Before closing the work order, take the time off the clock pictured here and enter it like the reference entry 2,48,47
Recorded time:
12,04,48
